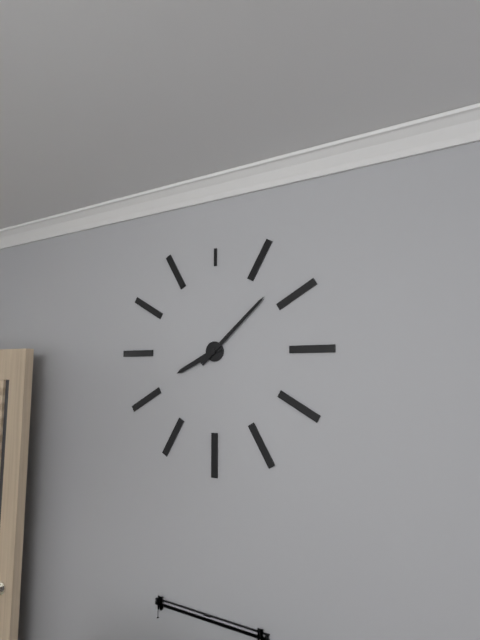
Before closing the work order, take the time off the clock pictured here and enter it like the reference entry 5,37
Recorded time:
8,08
